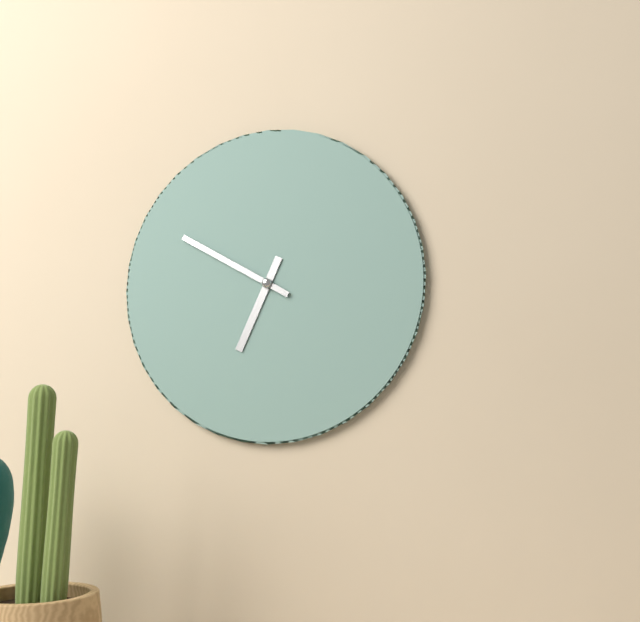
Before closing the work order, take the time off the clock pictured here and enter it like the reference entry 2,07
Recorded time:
6,50
